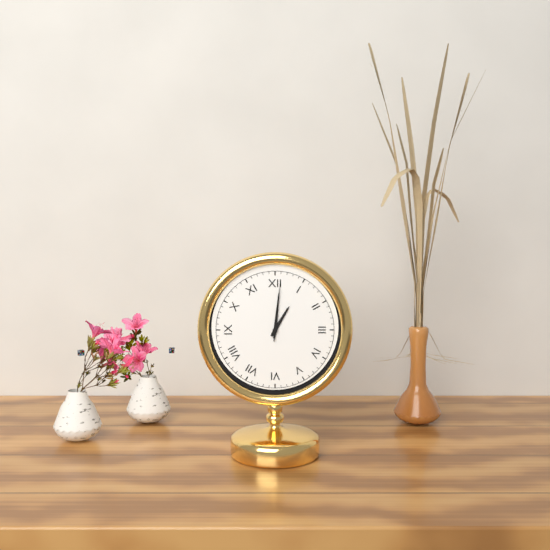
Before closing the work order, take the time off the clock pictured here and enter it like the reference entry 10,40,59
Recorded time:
1,01,01
